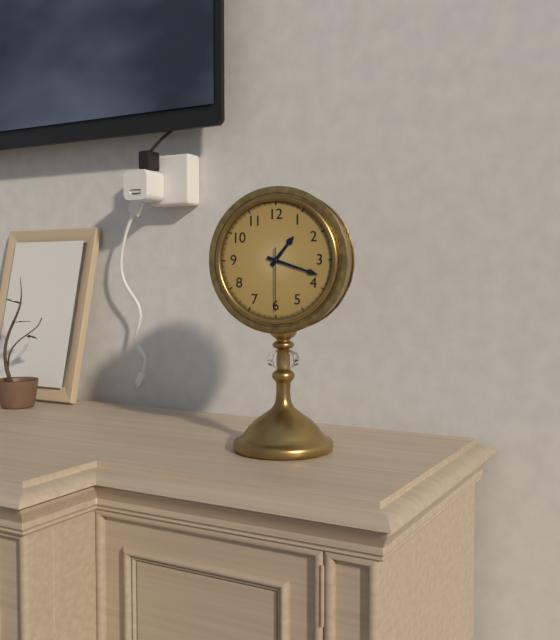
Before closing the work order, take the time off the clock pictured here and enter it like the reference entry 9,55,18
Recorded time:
1,18,30
